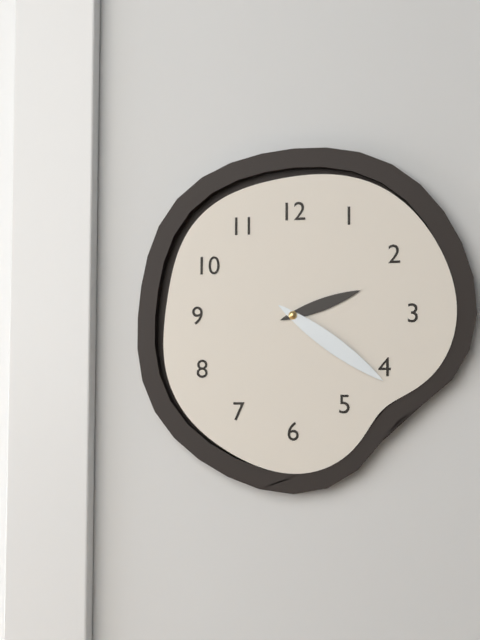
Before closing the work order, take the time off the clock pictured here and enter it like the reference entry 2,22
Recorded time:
2,21
